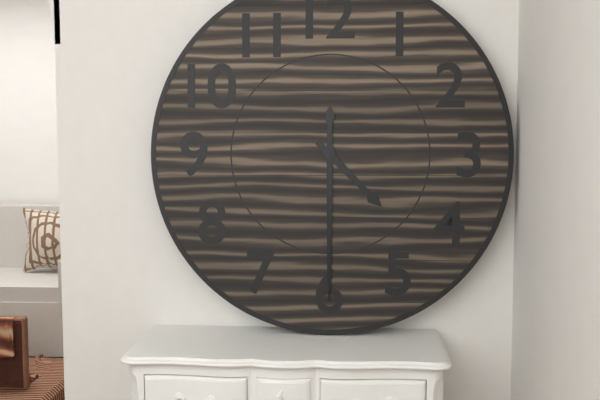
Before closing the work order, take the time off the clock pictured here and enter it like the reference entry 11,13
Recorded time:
4,30
